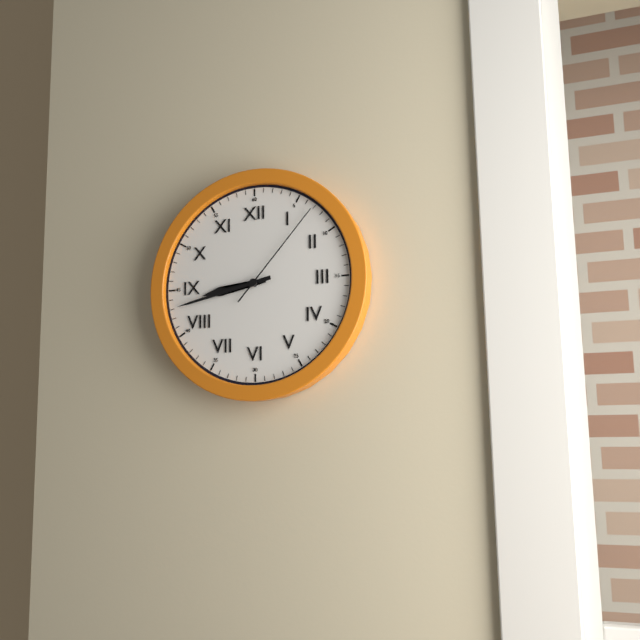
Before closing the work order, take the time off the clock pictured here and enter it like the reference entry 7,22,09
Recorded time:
8,43,07
